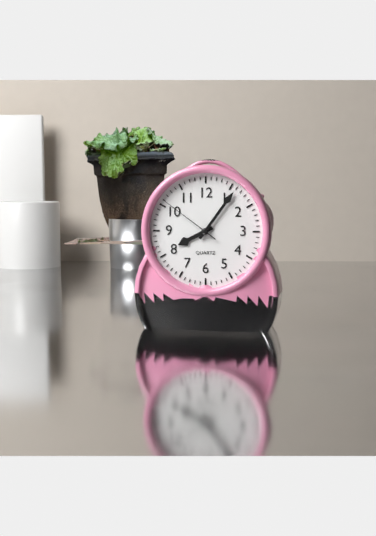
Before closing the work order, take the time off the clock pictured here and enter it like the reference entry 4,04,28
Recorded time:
8,06,51
